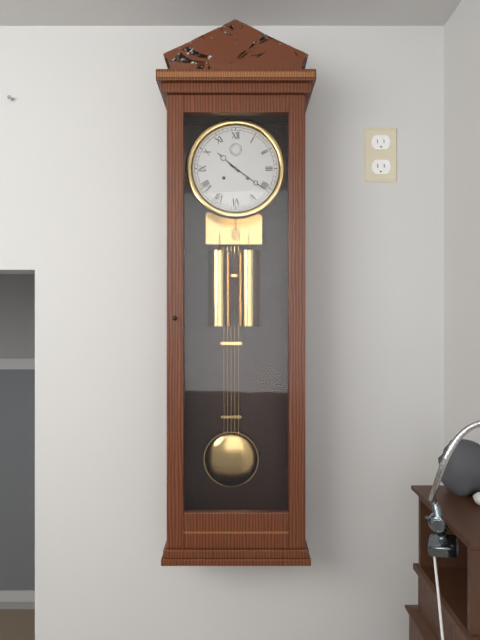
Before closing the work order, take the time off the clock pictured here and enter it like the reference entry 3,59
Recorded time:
10,21
